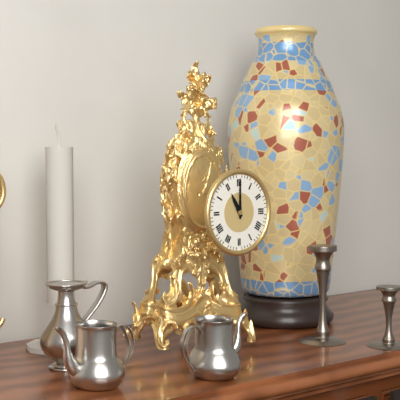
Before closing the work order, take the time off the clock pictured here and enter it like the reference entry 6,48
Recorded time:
11,00
